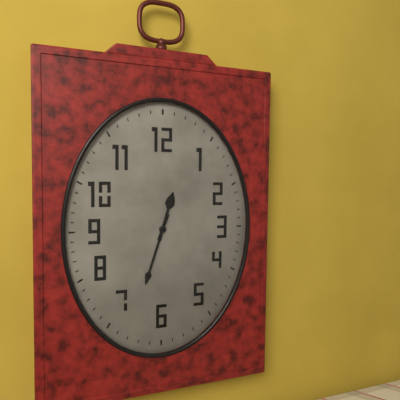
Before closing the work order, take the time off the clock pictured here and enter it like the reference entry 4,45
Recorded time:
12,33
